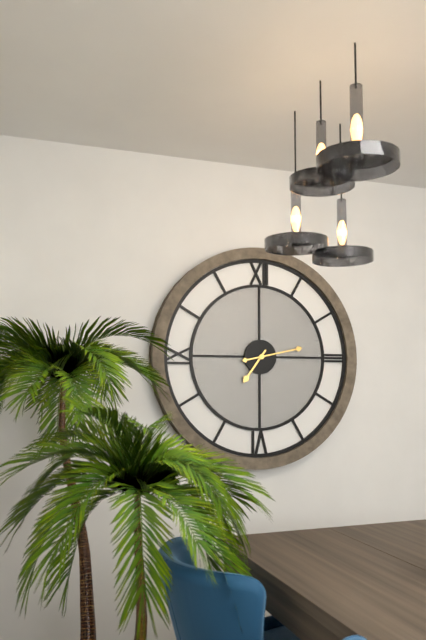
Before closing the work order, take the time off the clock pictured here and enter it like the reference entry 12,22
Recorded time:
7,13
